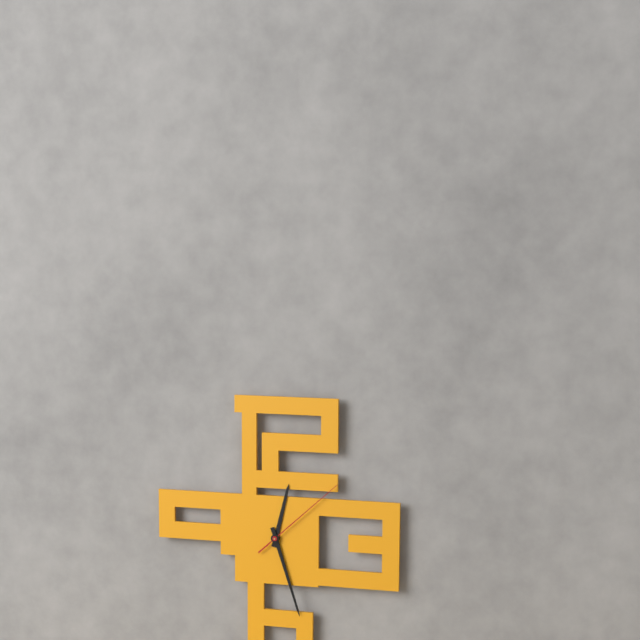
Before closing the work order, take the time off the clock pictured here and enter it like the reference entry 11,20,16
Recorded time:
12,27,08
